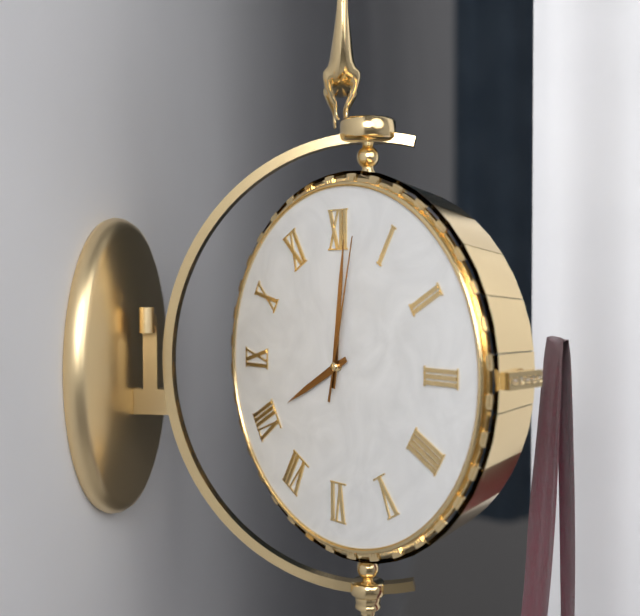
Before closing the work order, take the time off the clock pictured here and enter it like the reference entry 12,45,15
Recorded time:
8,01,02
